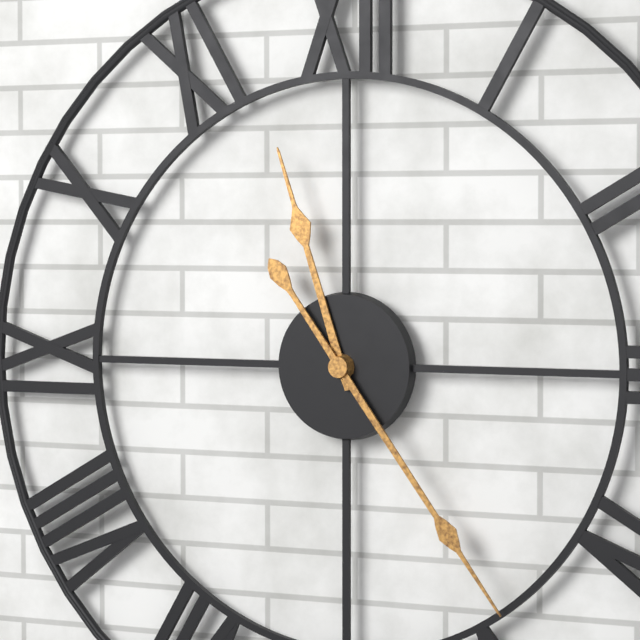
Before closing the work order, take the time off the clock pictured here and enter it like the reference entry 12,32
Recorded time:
11,24
